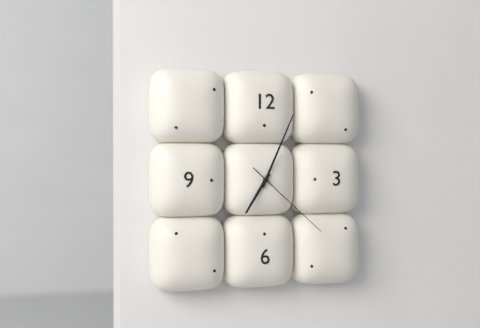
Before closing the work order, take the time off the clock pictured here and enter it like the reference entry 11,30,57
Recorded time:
7,04,22
